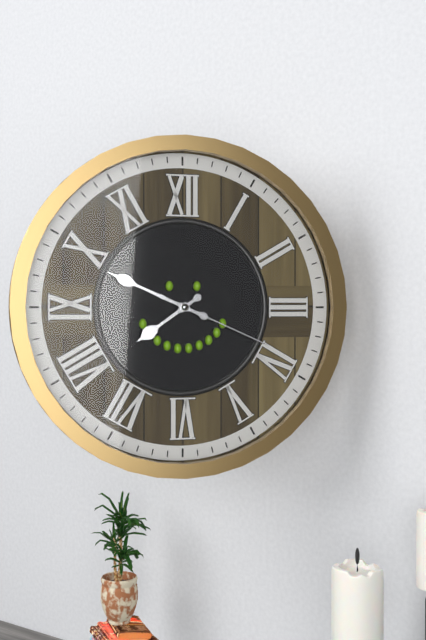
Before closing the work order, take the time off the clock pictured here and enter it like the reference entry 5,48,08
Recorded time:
7,49,19
